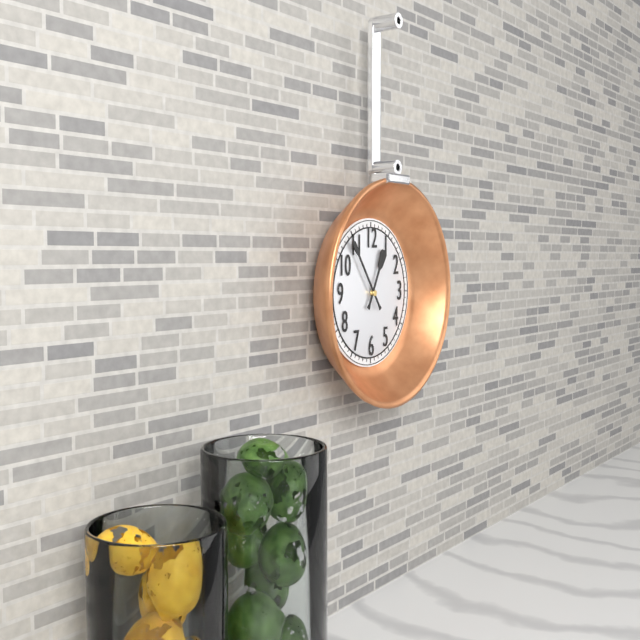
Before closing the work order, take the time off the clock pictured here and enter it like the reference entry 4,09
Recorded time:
12,54
